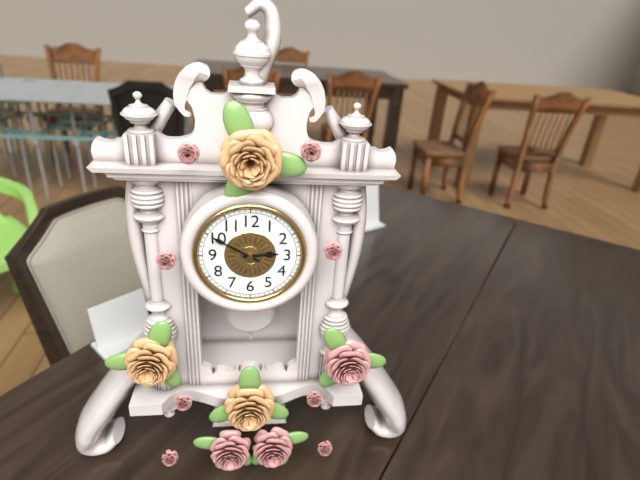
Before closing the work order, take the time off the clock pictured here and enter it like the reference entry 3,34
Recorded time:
2,50
